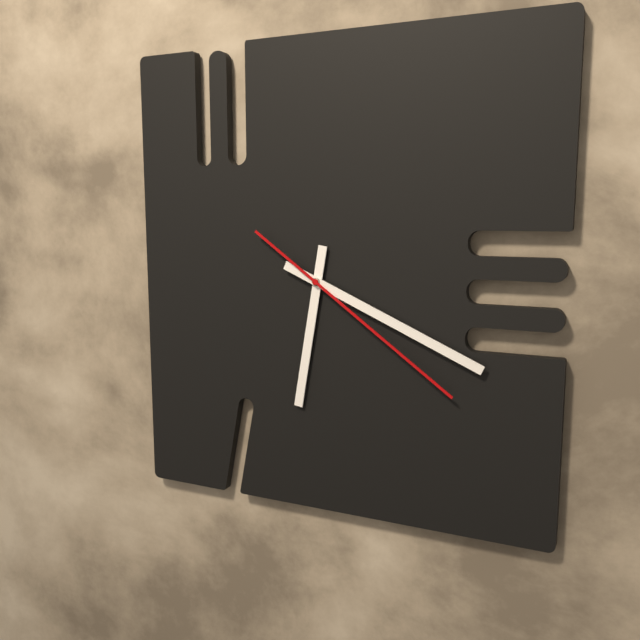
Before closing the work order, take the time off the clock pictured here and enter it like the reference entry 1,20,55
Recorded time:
6,19,21
